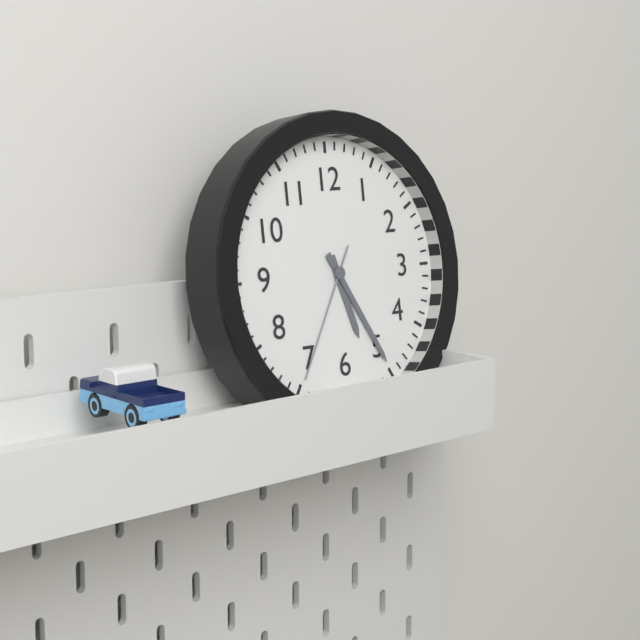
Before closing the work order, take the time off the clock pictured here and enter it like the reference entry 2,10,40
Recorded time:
5,25,35
